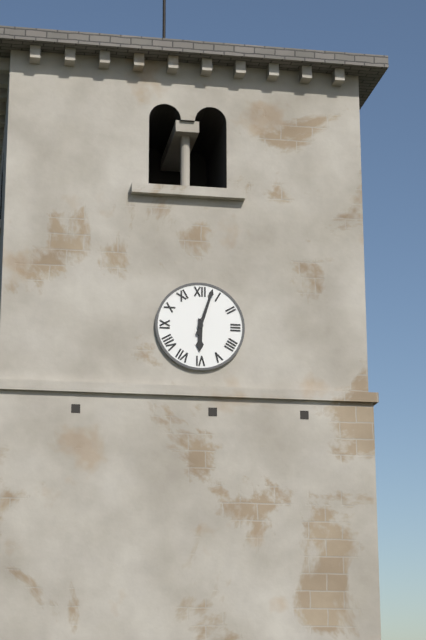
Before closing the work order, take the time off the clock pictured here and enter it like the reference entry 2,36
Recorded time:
6,03
